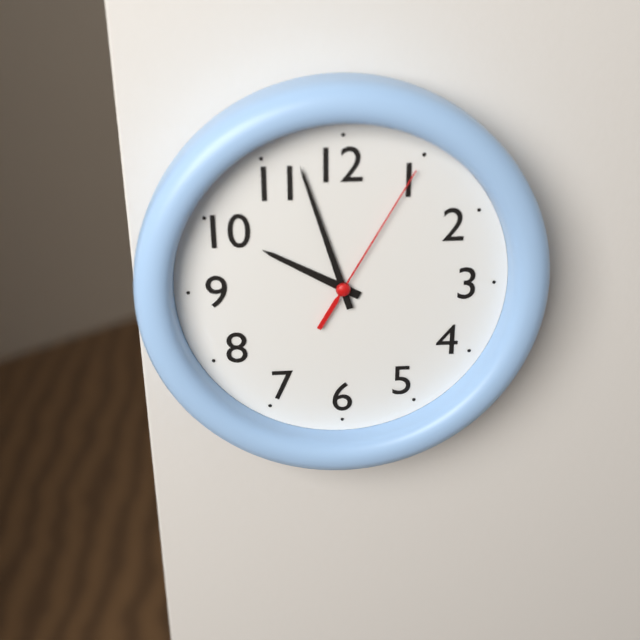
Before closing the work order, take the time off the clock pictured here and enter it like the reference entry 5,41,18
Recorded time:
9,57,05
